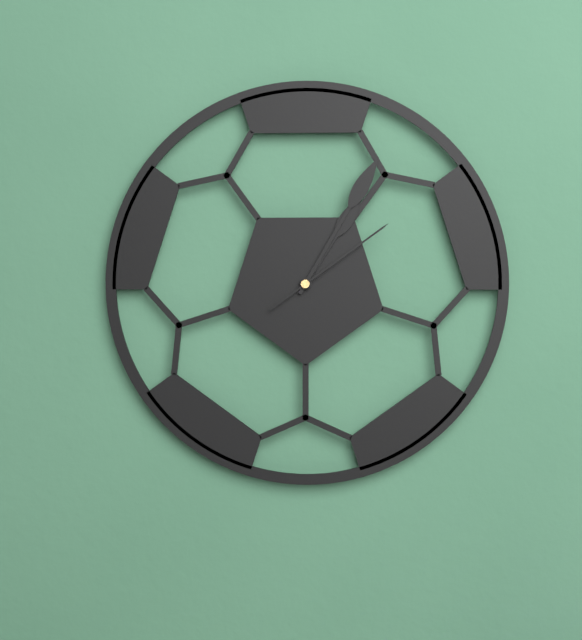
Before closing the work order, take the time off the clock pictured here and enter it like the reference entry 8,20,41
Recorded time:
1,05,09
